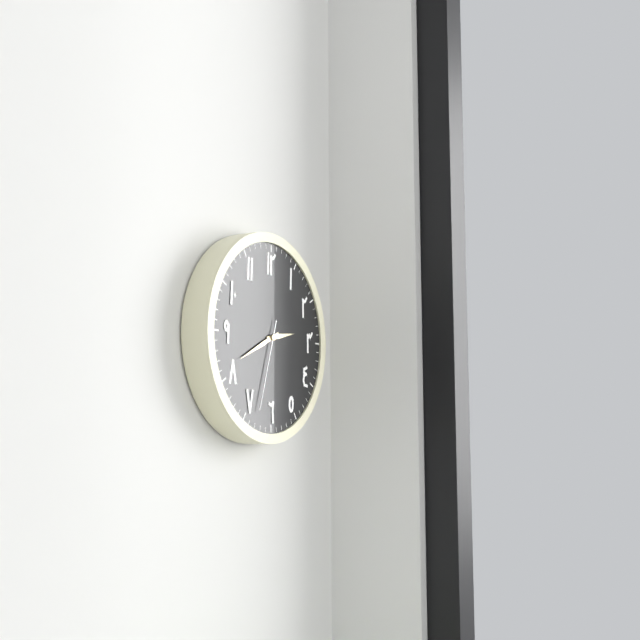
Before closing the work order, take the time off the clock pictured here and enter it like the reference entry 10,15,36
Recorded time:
2,41,33
